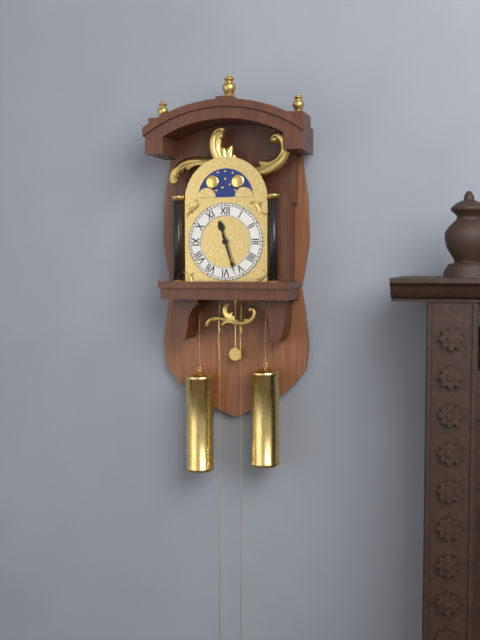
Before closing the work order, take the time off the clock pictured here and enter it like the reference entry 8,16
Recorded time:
11,27
